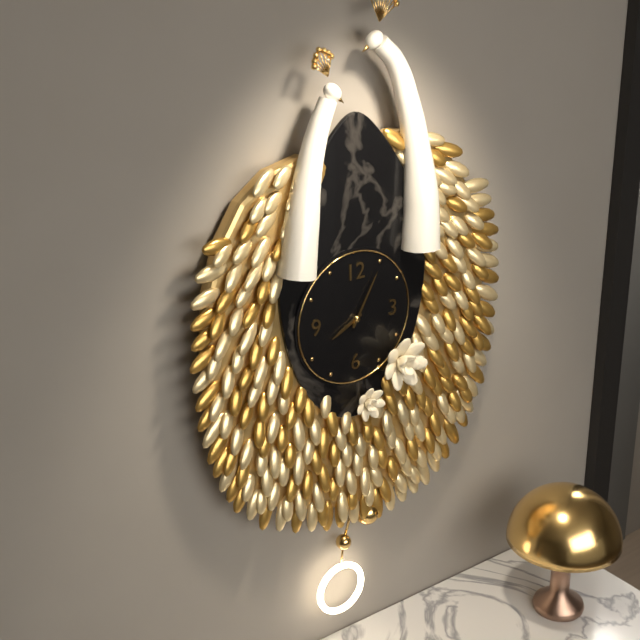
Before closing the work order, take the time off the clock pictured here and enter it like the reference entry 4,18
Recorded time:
8,05
